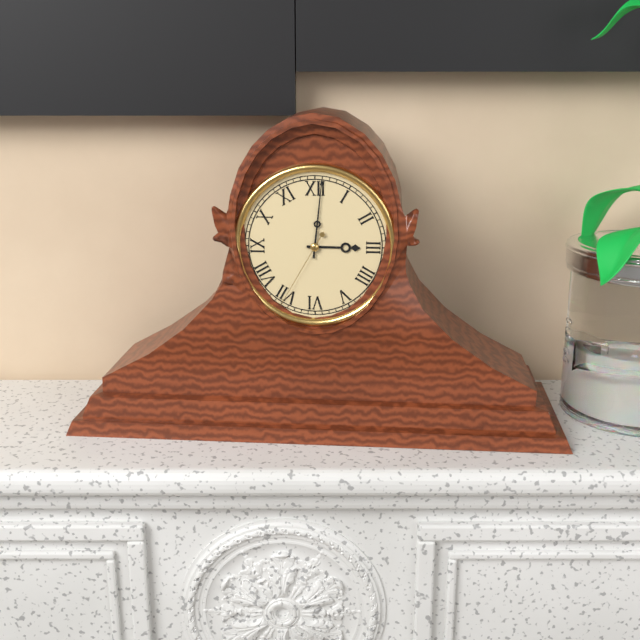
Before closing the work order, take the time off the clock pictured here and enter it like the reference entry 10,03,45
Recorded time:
3,01,35
